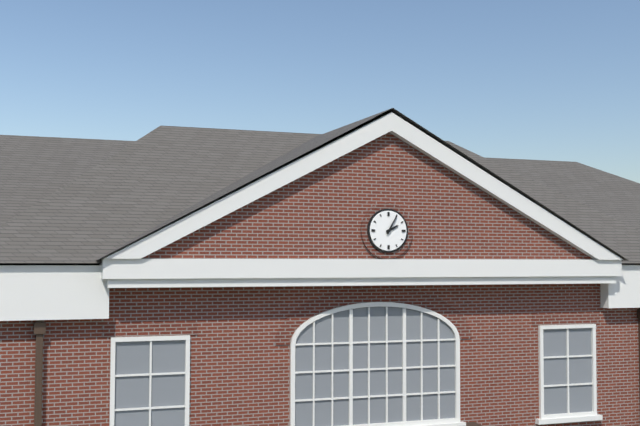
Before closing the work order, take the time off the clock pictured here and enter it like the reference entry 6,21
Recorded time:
2,05
